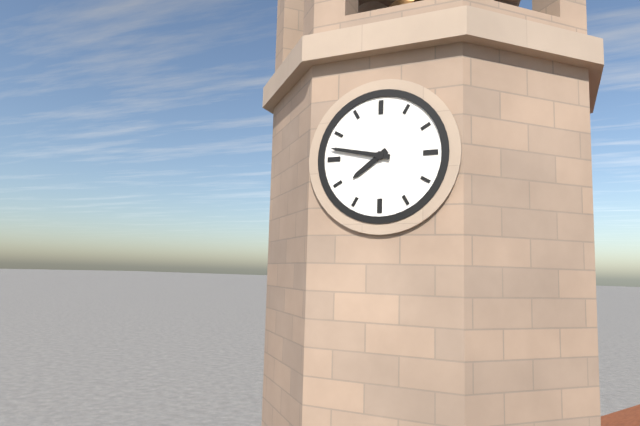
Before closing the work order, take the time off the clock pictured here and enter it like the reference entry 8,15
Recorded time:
7,47
